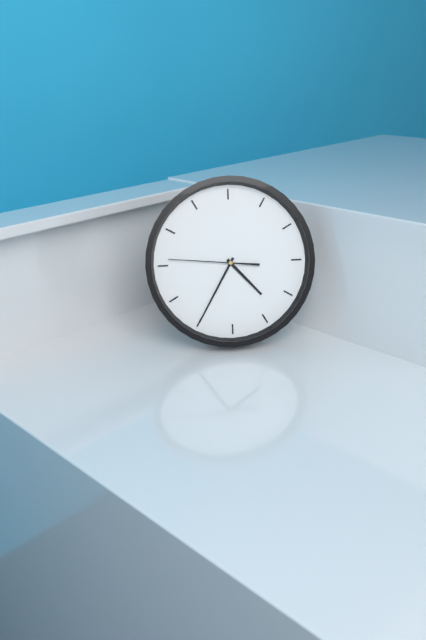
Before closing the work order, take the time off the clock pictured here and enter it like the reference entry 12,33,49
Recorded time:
4,35,46
